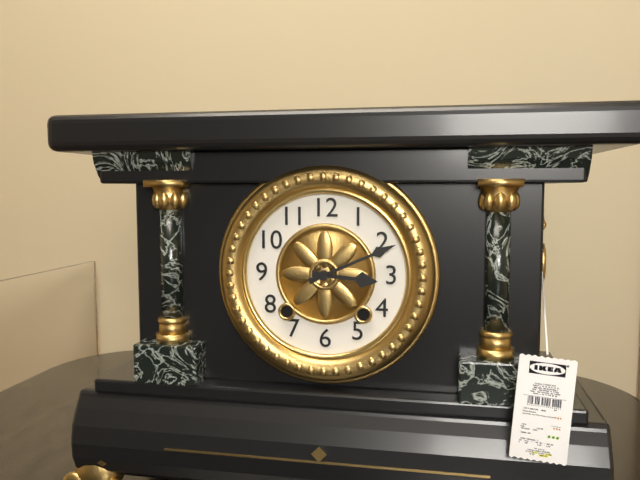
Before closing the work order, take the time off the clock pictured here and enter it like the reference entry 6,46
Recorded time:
3,11
